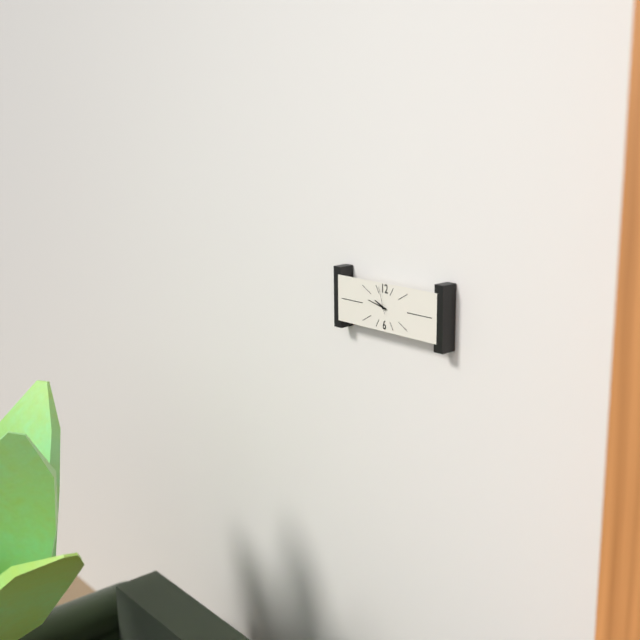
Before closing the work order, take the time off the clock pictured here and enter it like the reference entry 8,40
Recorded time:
9,47
